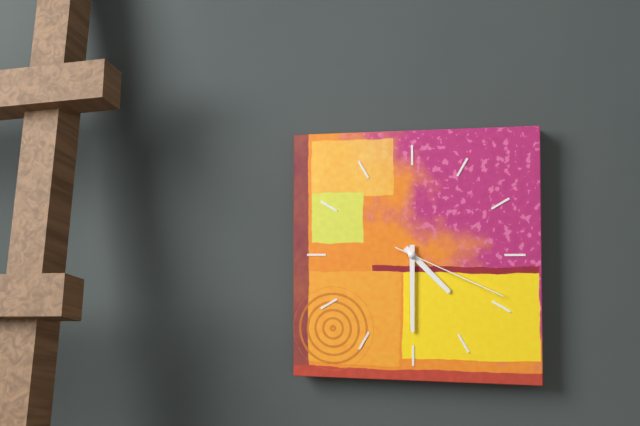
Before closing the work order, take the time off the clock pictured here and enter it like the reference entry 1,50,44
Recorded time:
4,30,19
